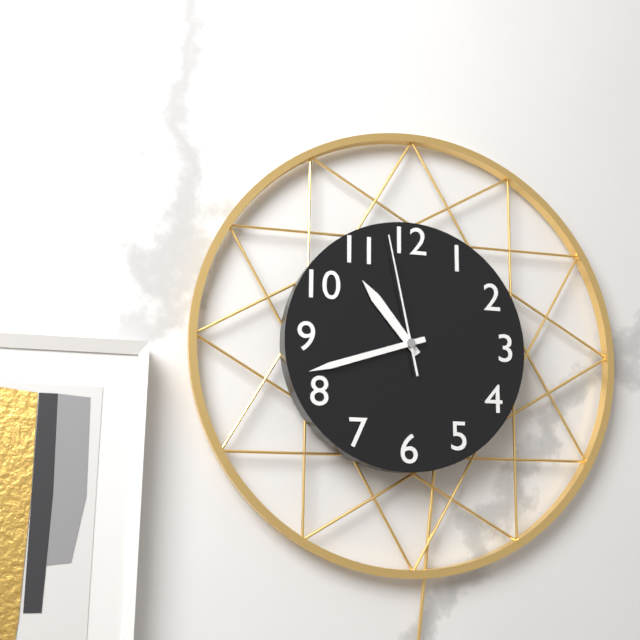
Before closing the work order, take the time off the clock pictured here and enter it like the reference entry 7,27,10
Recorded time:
10,42,58
